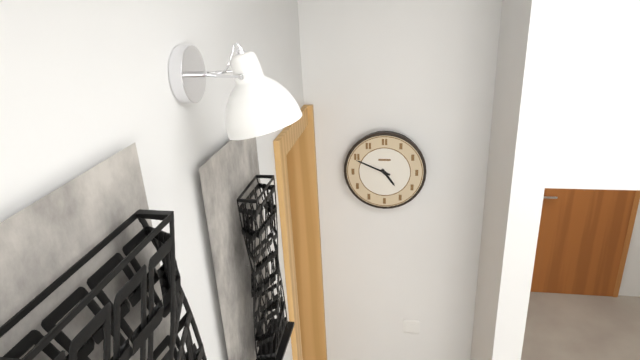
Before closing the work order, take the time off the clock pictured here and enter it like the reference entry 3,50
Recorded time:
4,49
